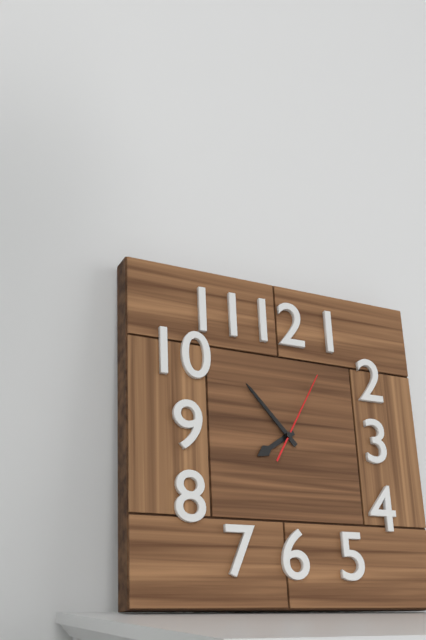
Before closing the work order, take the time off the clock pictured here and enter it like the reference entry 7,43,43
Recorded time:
7,53,05
